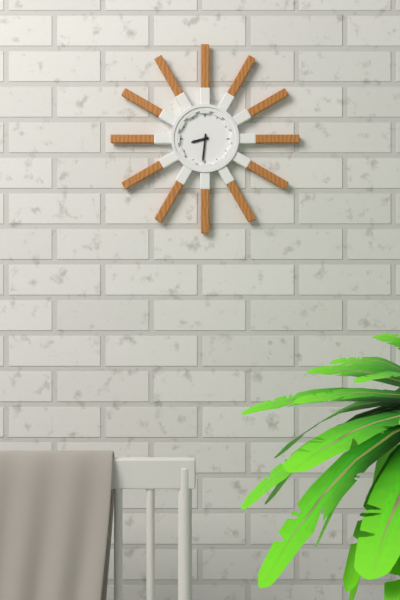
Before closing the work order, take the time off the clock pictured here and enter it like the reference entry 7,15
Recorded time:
8,31
